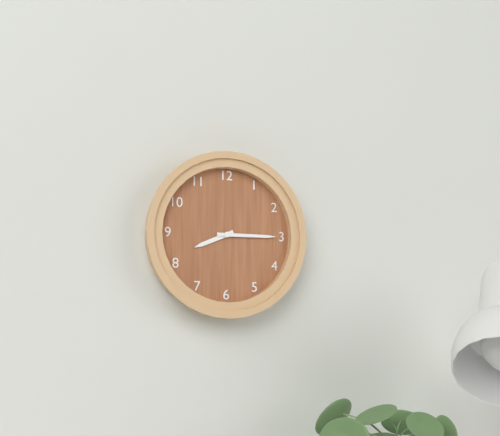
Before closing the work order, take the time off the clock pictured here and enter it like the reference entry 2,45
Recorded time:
8,15
